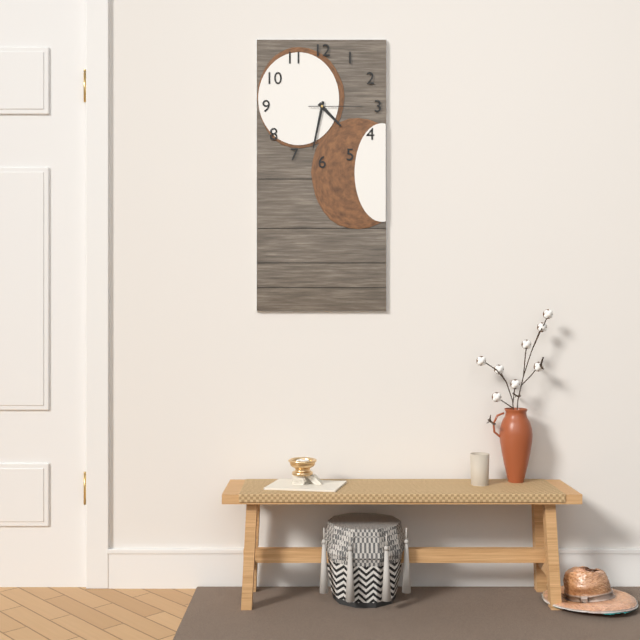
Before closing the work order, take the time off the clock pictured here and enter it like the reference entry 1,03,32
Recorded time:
4,32,15
